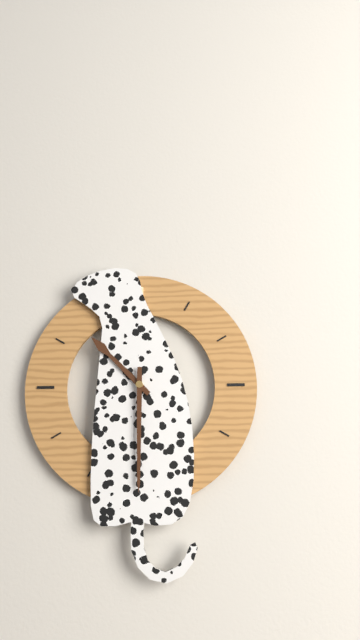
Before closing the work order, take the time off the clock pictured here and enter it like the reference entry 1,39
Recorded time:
10,30
